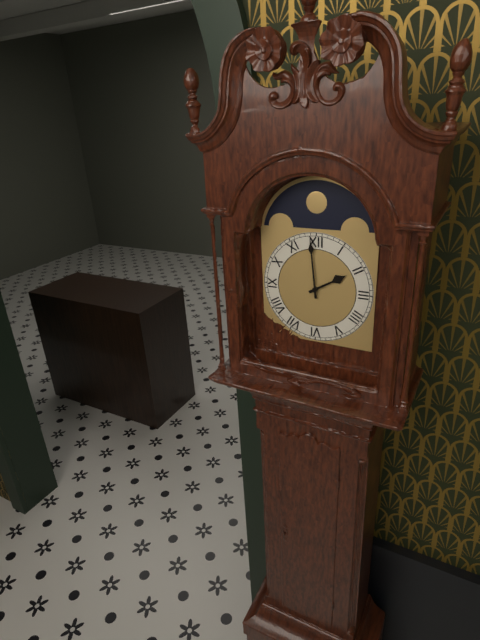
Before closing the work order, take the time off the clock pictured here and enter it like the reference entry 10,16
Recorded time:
1,59
